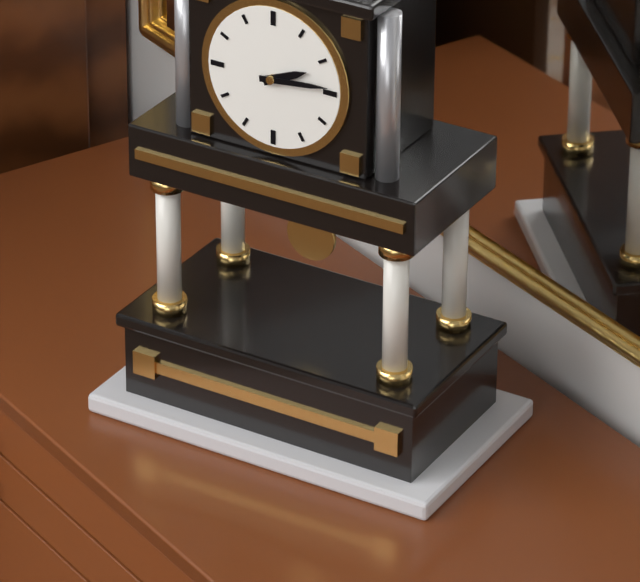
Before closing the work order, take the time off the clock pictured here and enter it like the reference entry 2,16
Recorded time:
2,14
